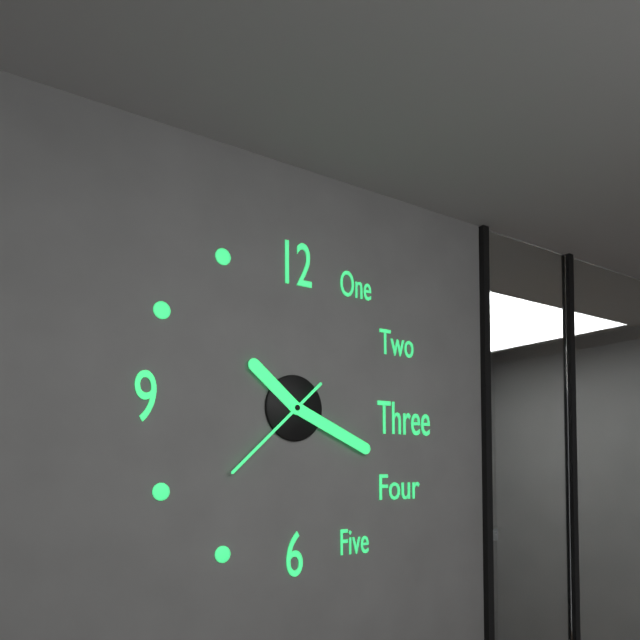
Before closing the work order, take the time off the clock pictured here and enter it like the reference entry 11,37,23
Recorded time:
10,19,38
